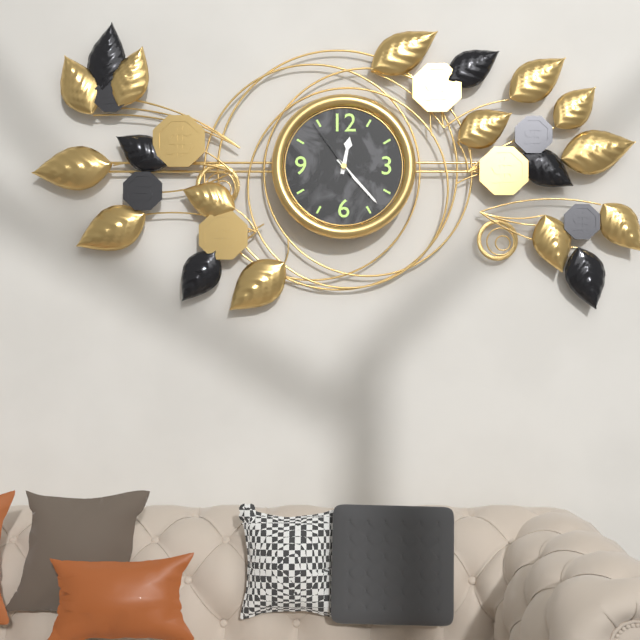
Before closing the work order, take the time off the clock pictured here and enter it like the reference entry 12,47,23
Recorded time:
12,23,54
